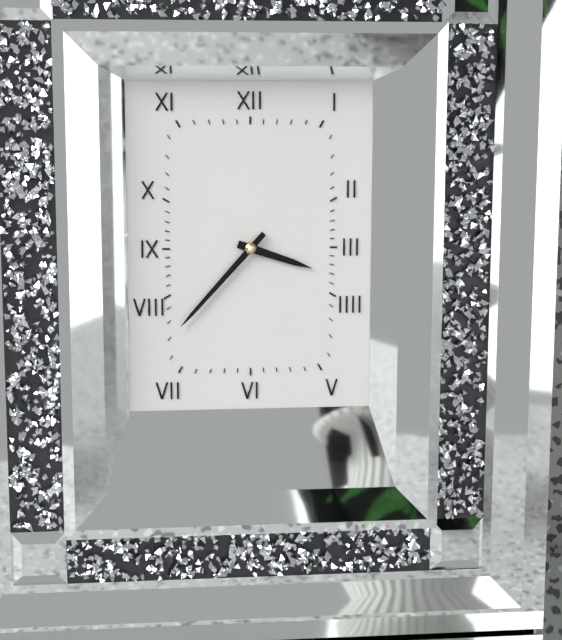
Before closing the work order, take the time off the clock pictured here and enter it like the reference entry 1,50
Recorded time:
3,37
